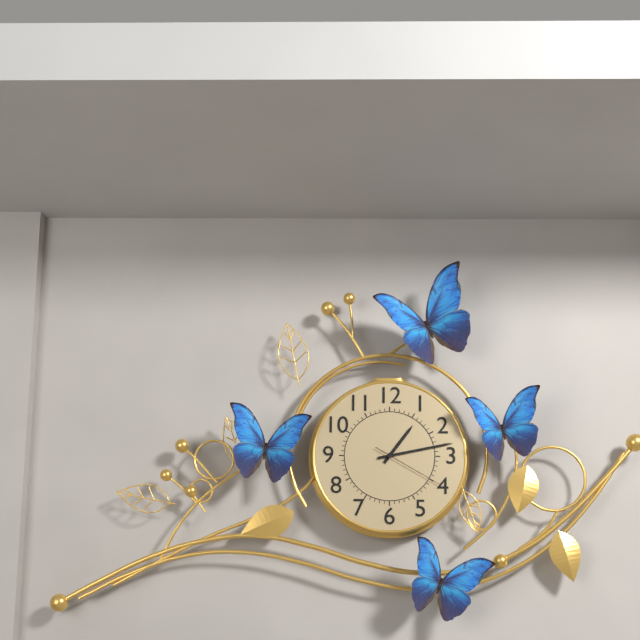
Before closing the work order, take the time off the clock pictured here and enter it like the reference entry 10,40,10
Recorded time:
1,13,20
